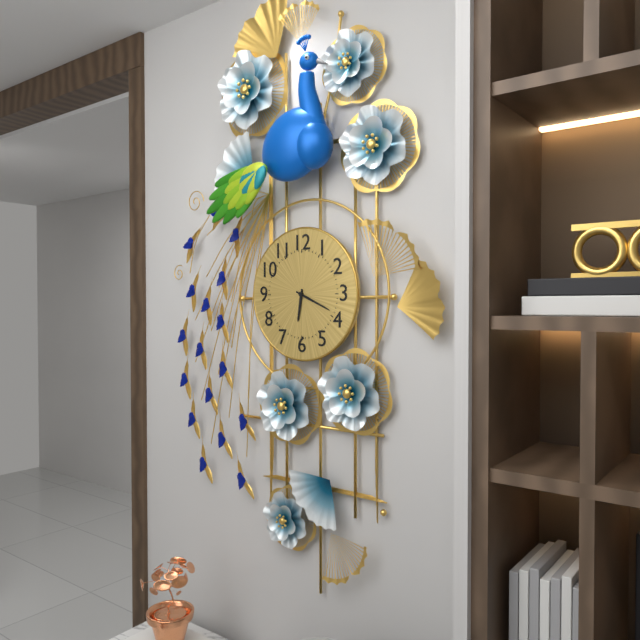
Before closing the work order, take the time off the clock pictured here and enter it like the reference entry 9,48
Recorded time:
6,19
